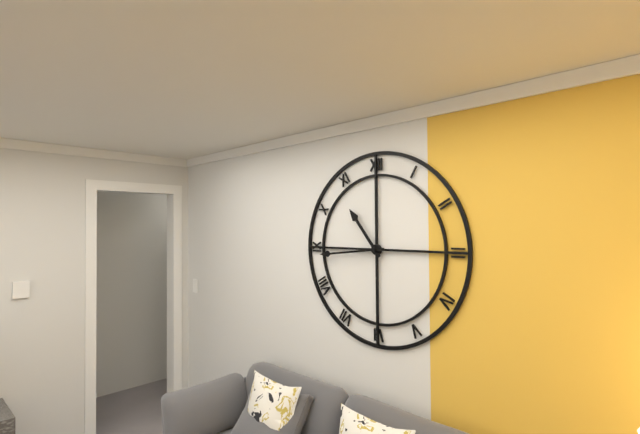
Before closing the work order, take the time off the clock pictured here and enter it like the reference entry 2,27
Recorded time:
10,44
